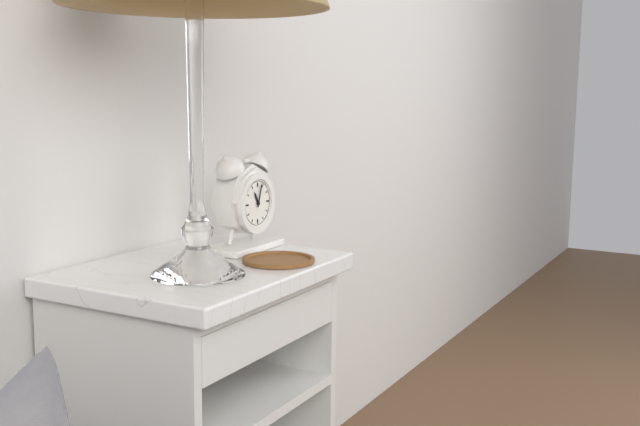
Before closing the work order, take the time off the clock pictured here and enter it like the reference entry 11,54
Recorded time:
11,03
